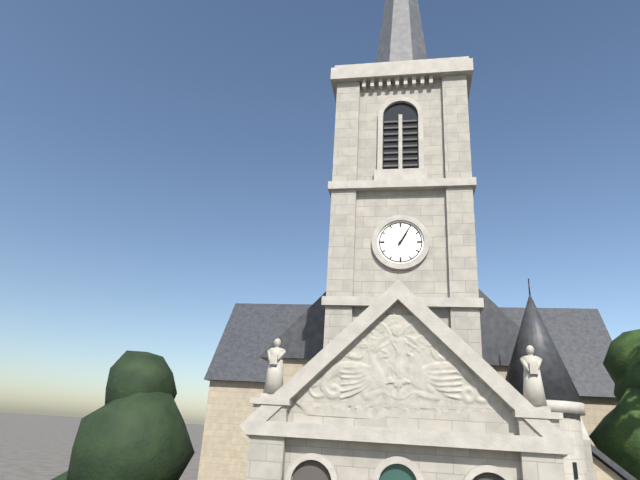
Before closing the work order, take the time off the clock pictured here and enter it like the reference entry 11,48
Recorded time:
1,05
